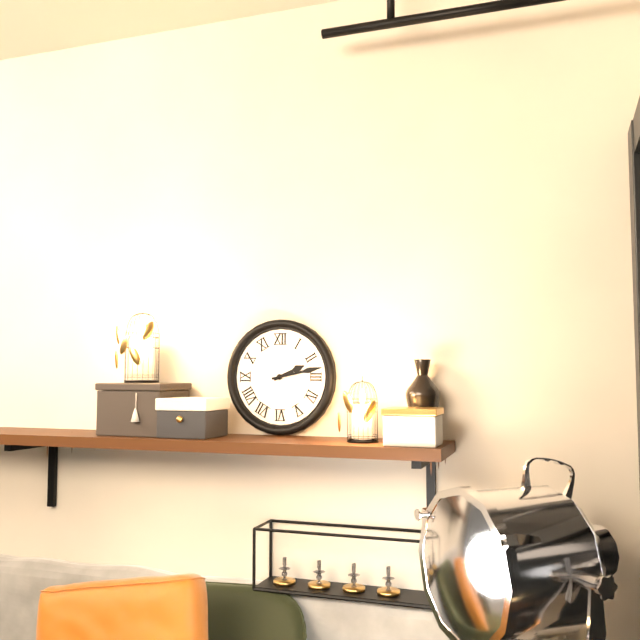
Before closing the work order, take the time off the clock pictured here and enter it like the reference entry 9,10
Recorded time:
2,13
